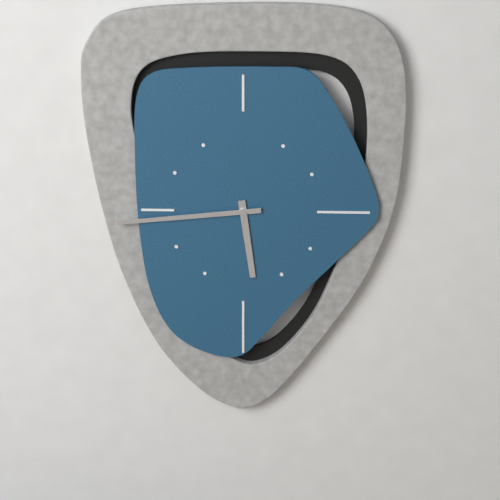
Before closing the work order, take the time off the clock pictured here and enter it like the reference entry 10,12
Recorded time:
5,44
